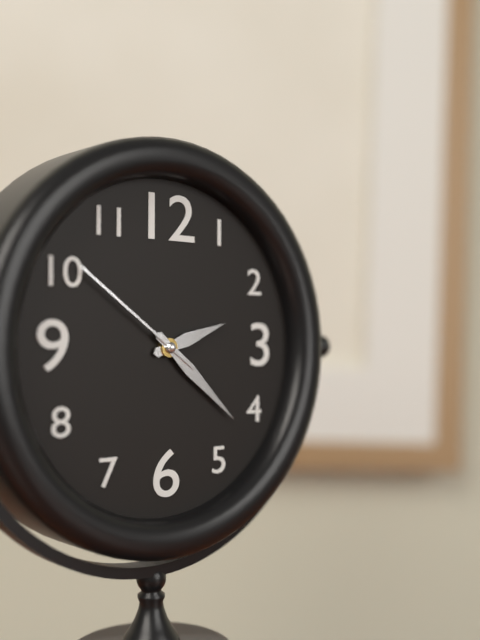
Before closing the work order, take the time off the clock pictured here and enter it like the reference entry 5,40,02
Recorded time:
2,22,51
